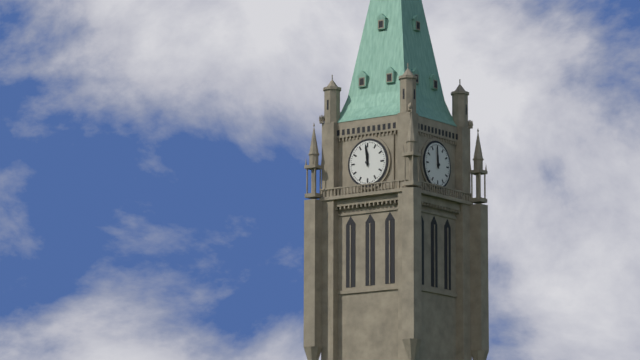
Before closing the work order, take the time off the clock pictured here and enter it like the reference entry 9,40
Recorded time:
11,59
